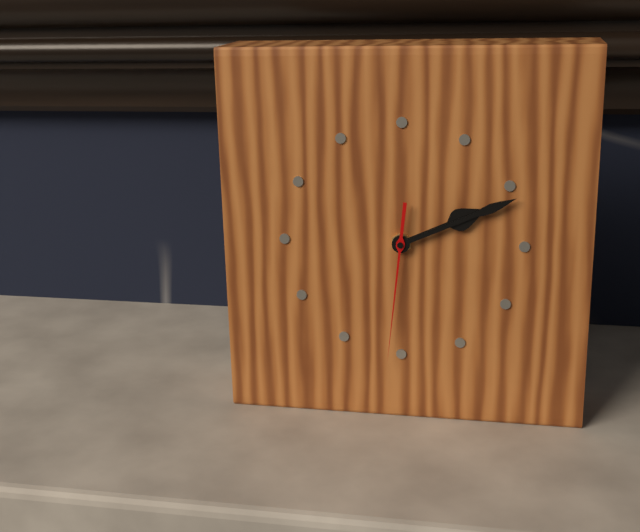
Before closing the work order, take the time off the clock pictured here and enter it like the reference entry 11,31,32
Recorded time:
2,11,31
